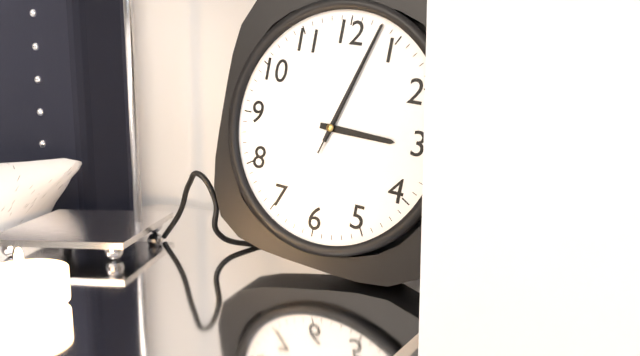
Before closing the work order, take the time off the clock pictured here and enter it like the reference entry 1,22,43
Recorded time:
3,03,03
